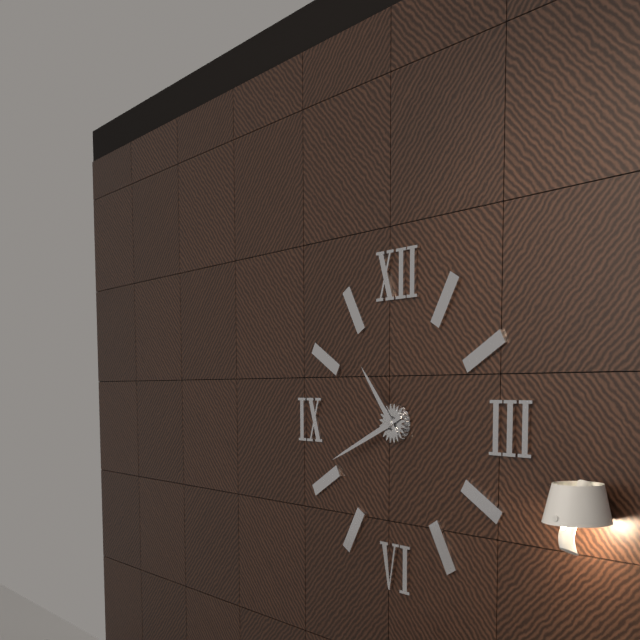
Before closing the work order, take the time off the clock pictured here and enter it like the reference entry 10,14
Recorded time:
10,41
